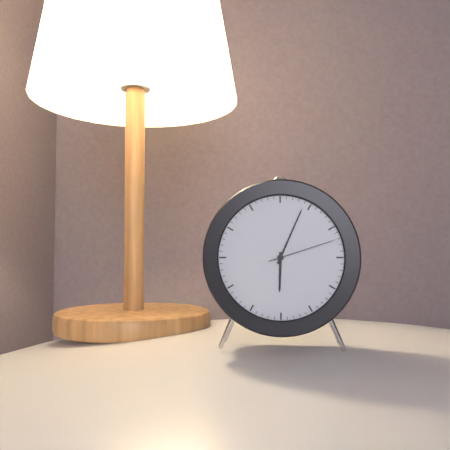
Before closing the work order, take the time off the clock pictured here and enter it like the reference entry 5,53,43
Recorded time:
6,04,12
